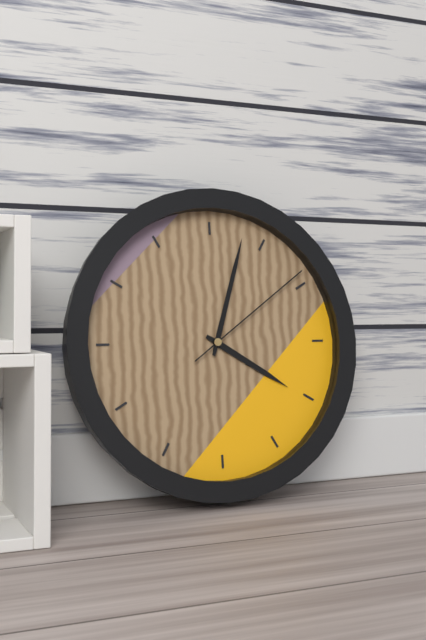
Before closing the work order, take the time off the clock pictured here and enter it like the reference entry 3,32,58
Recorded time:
4,03,09
